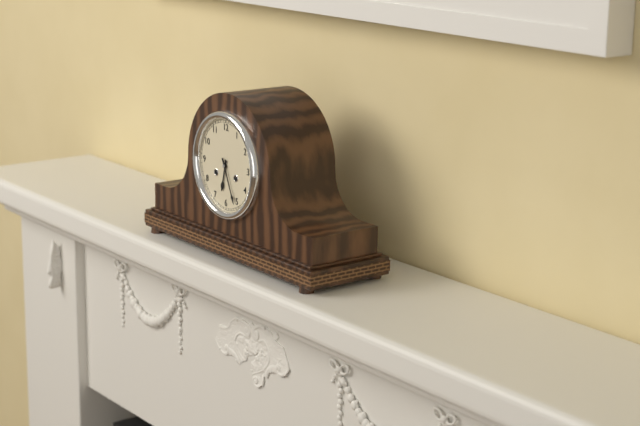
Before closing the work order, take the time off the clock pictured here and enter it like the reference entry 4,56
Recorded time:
6,26
